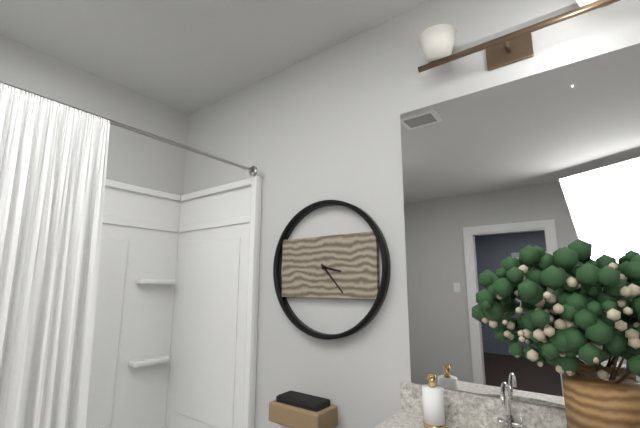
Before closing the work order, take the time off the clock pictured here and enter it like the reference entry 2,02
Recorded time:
3,23
